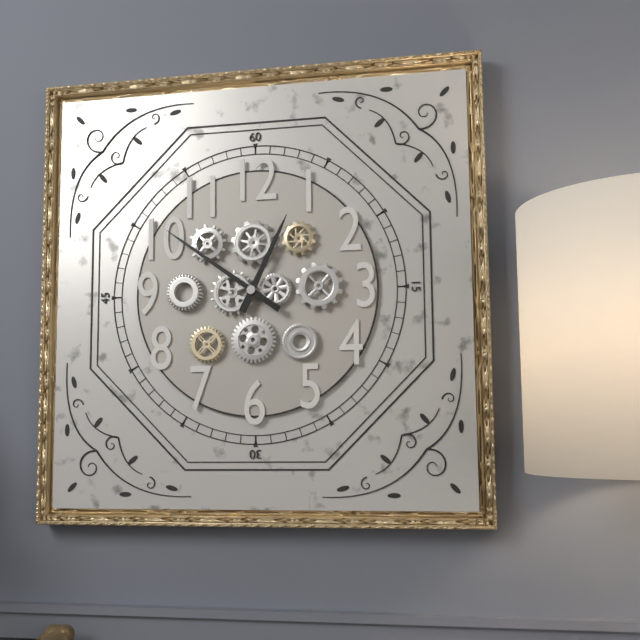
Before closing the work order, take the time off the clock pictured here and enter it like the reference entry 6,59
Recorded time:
12,51
